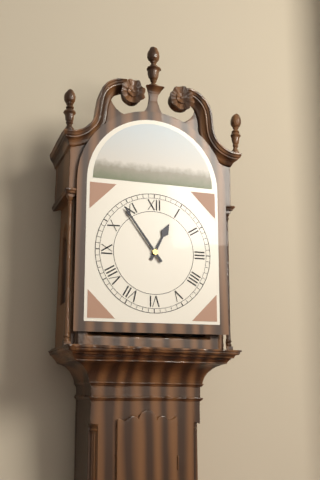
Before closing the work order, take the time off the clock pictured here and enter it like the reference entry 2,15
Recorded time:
12,54
